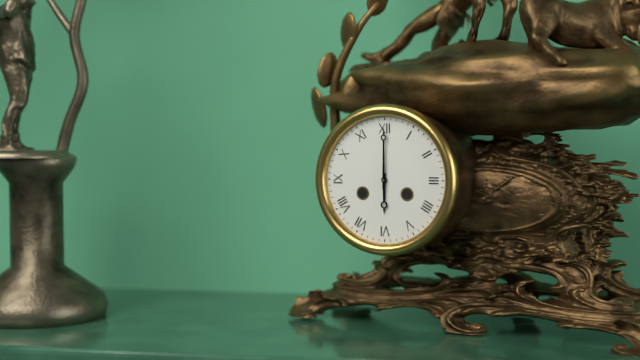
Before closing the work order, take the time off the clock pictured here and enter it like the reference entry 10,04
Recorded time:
6,00
